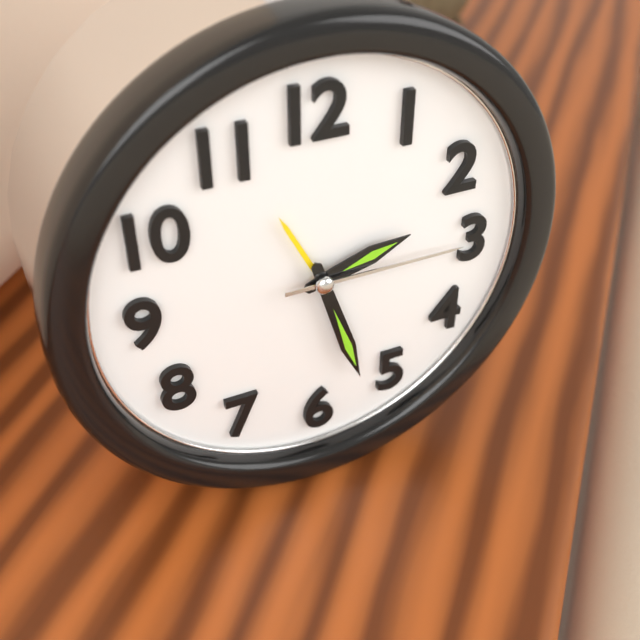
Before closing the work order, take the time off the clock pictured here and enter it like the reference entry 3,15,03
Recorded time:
2,27,15
